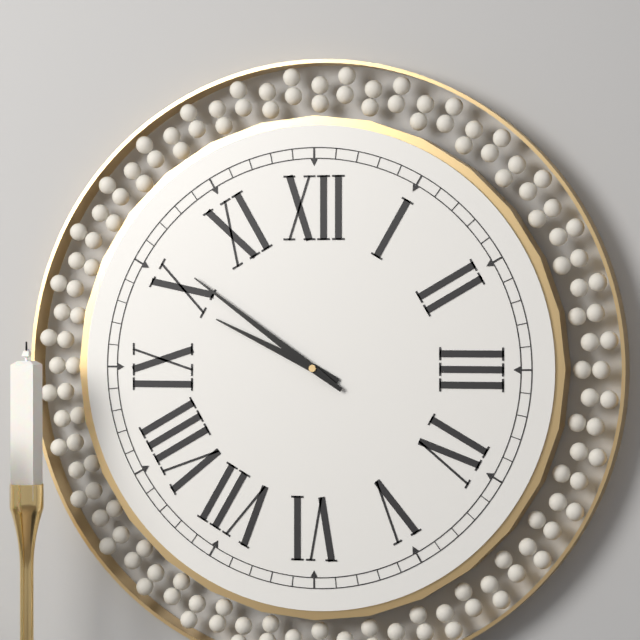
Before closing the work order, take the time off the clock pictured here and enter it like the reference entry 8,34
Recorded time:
9,51
